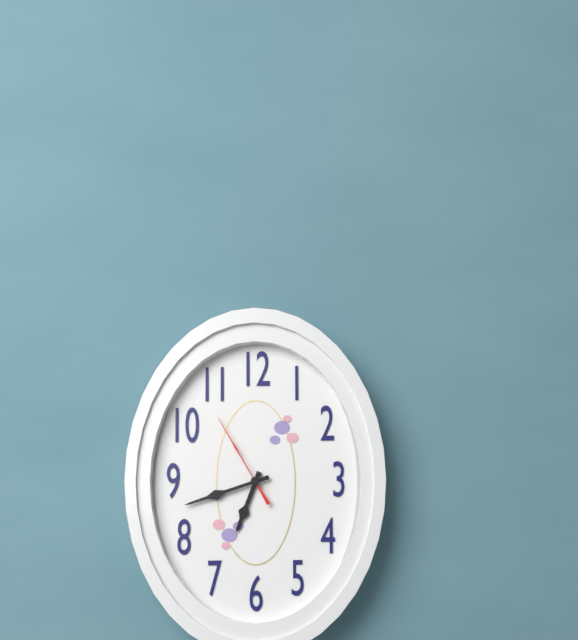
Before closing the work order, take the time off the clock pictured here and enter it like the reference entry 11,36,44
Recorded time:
6,42,55
